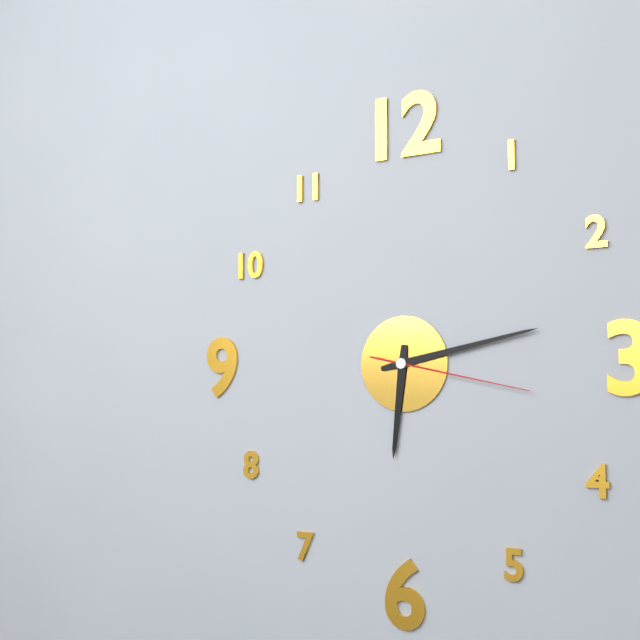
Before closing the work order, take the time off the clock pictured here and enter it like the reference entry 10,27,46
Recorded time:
6,13,17
